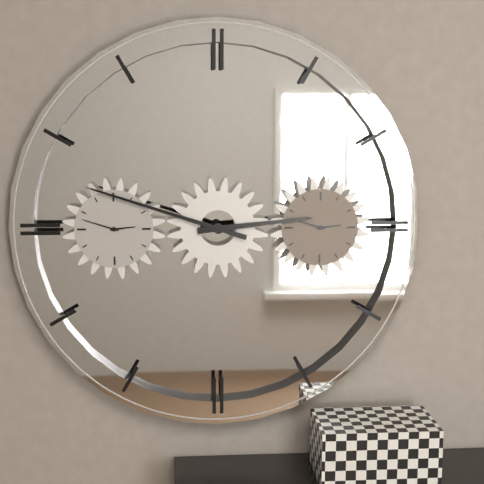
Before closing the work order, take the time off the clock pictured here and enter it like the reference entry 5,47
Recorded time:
2,48
